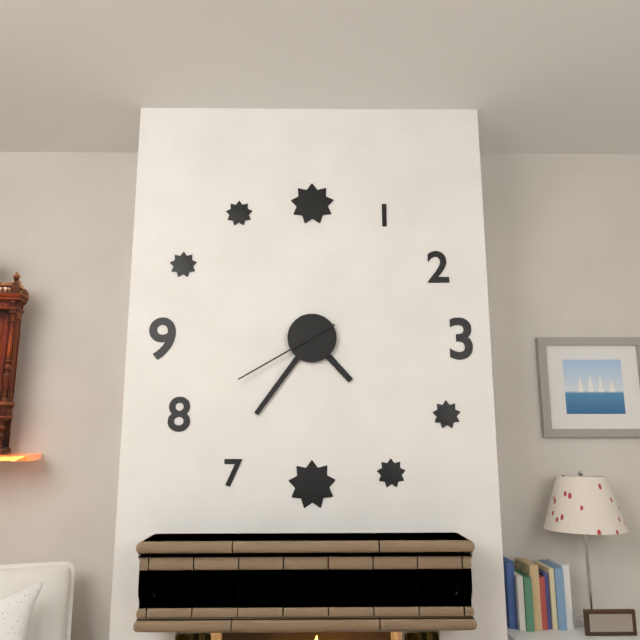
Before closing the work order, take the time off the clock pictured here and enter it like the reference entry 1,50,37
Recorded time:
4,36,40
